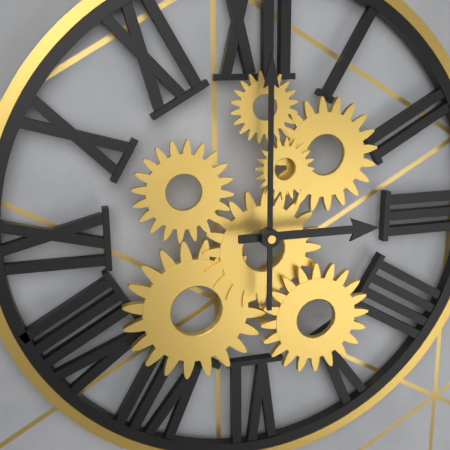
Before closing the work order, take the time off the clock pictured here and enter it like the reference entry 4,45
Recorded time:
3,00
